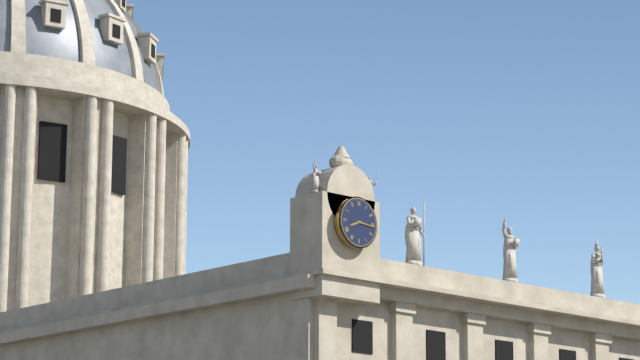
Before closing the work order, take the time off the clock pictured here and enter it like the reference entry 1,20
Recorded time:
8,16
